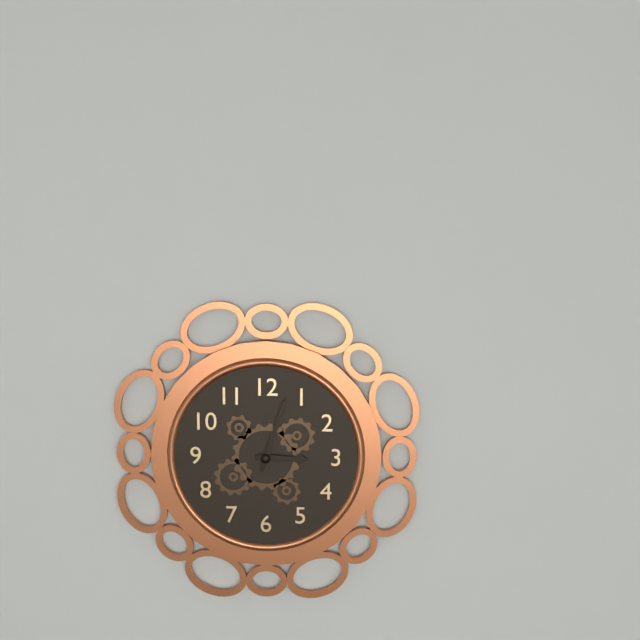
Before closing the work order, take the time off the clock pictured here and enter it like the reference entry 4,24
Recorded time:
3,03
